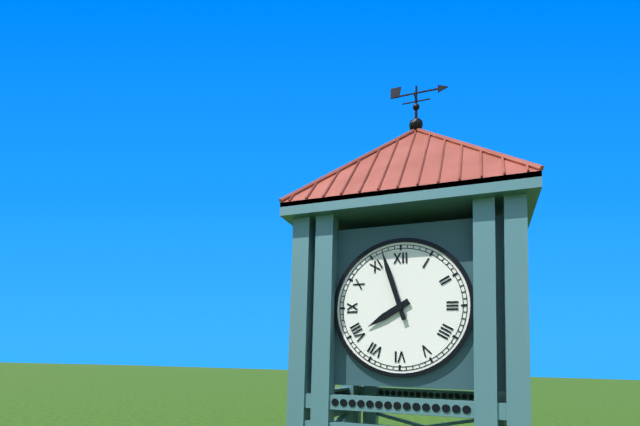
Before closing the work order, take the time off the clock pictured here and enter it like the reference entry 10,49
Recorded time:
7,57
